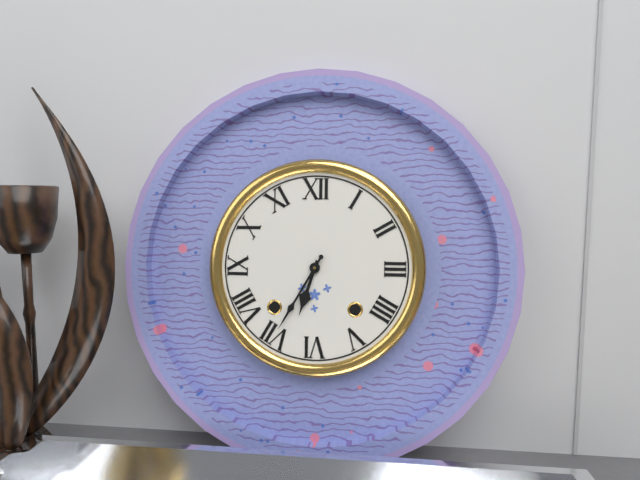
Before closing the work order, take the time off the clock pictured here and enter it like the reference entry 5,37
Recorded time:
6,35
